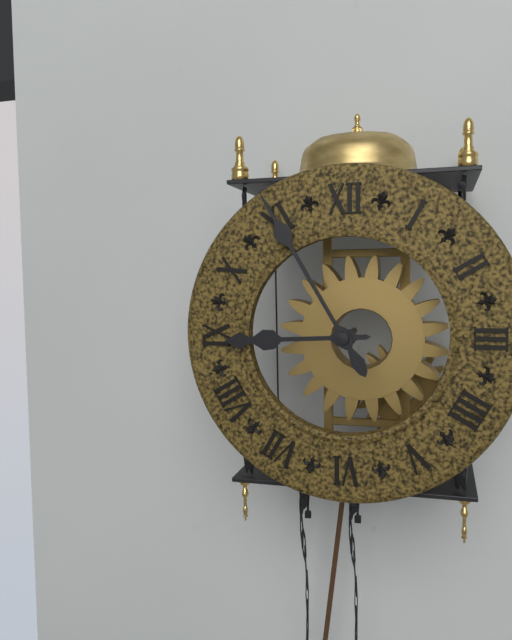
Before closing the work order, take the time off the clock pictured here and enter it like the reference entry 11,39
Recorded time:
8,55
